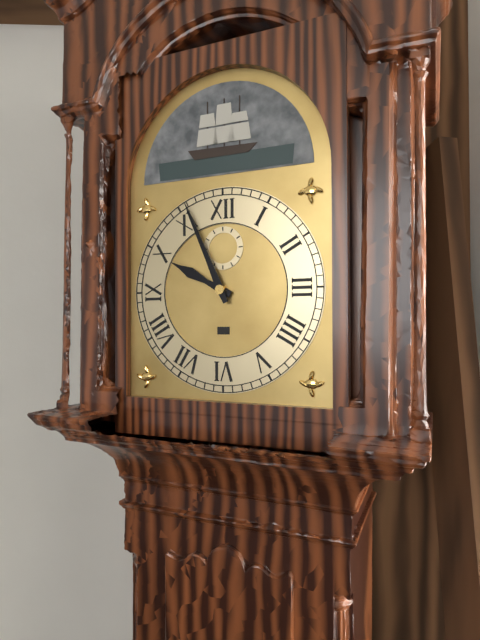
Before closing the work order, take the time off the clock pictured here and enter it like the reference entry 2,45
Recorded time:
9,56
